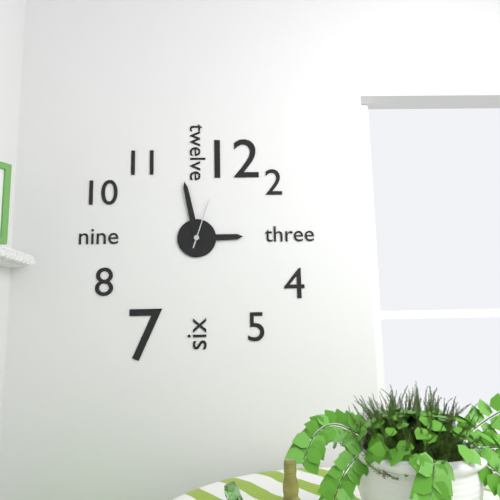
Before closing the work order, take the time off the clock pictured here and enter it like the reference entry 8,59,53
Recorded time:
2,58,03
